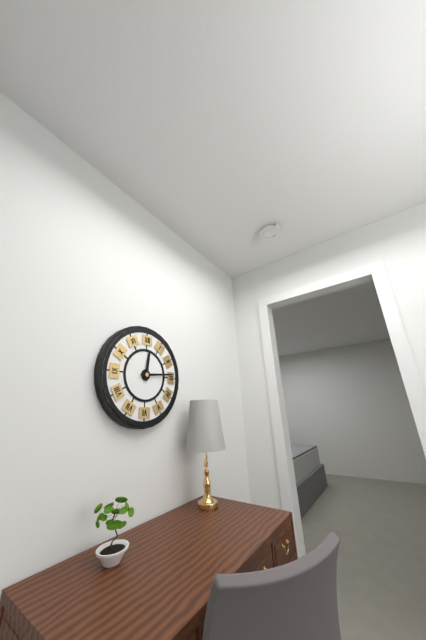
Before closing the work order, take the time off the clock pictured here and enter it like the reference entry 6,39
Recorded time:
12,14
